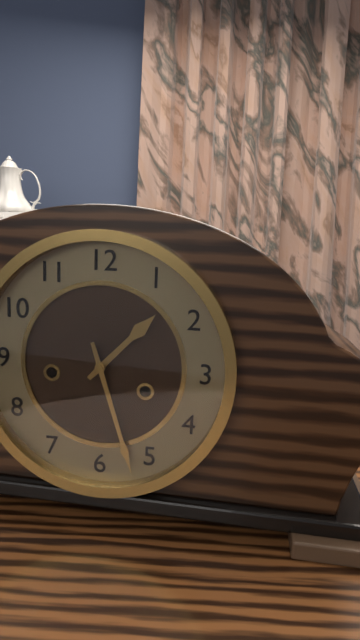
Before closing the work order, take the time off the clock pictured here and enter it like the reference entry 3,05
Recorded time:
1,27
